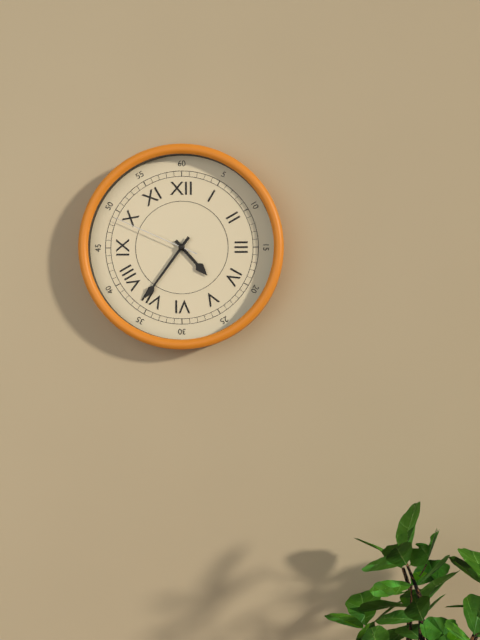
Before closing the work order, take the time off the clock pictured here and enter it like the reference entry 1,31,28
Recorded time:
4,36,49
